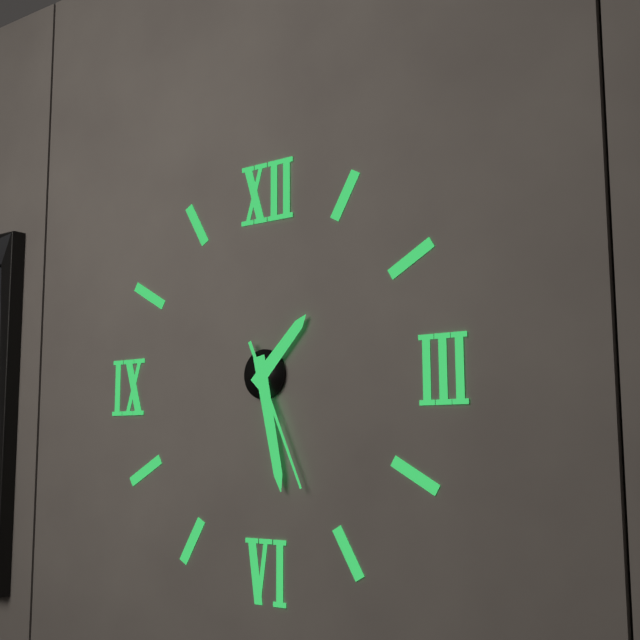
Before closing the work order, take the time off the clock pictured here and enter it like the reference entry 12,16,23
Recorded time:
1,28,26
